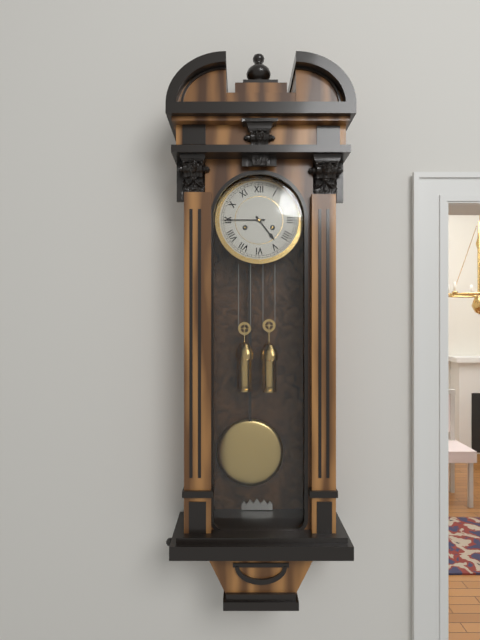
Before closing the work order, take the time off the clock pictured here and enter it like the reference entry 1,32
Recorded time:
4,45
